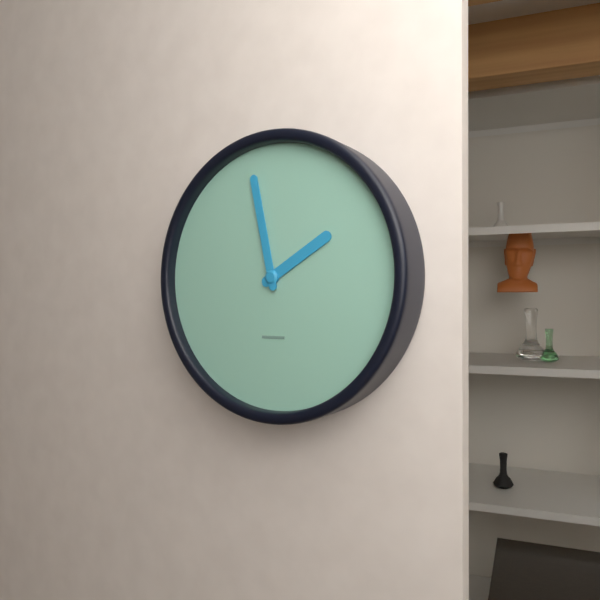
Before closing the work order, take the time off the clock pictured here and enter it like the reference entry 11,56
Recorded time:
1,58
